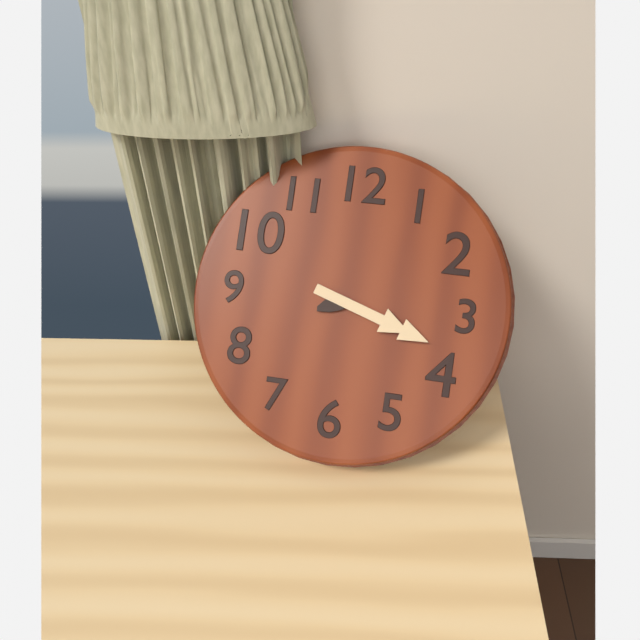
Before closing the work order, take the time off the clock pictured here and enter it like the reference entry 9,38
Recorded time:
8,18
